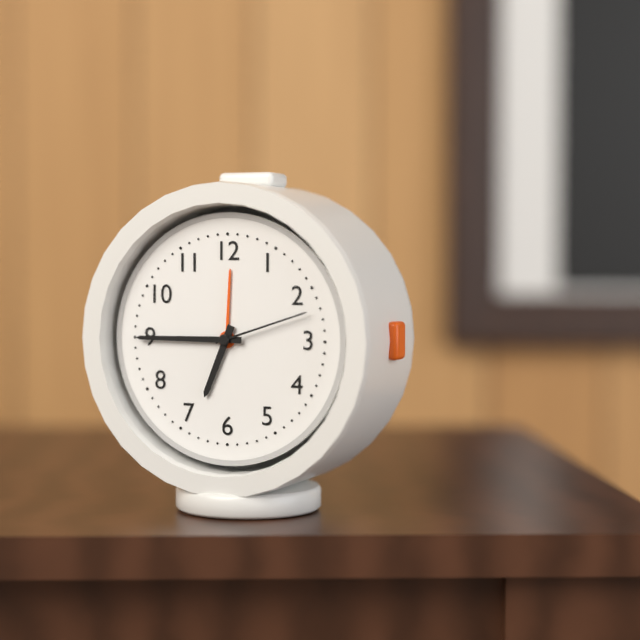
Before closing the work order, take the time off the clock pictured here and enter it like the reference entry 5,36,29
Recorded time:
6,45,12
